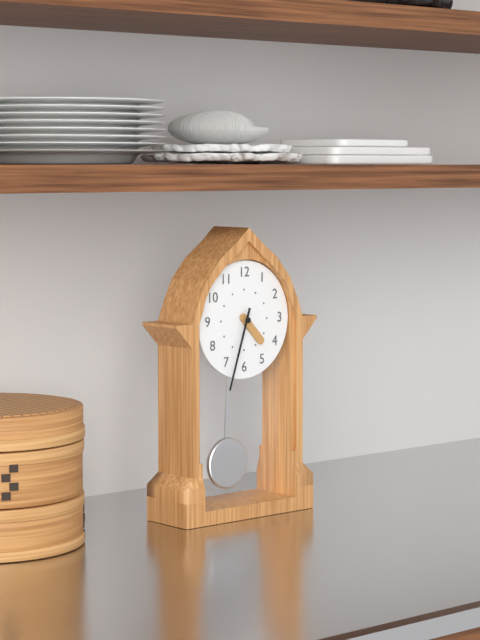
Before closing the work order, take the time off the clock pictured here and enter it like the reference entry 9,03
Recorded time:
4,33
